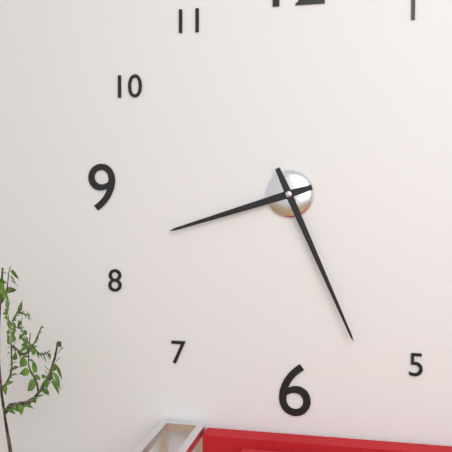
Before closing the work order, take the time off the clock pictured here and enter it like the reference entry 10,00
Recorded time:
8,26
